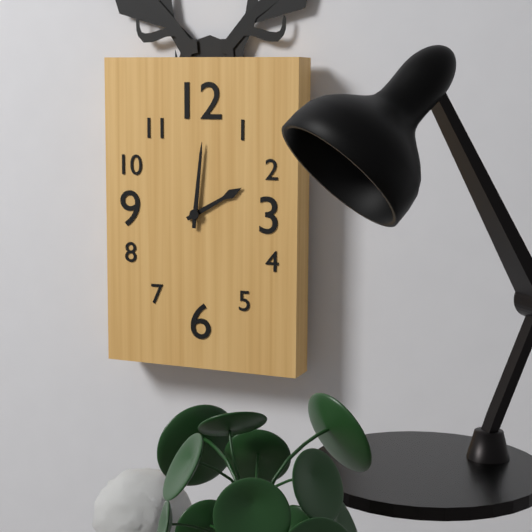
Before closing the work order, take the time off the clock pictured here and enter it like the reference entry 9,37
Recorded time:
2,01
